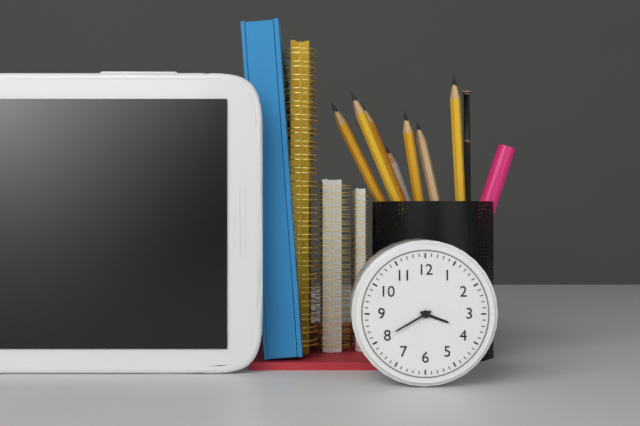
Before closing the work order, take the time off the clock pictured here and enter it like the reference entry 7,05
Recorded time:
3,40
